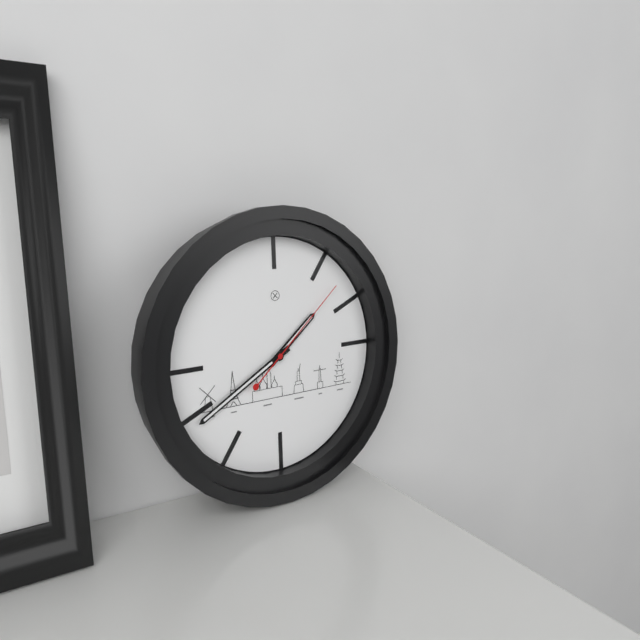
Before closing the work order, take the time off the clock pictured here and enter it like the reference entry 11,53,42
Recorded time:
1,40,08
